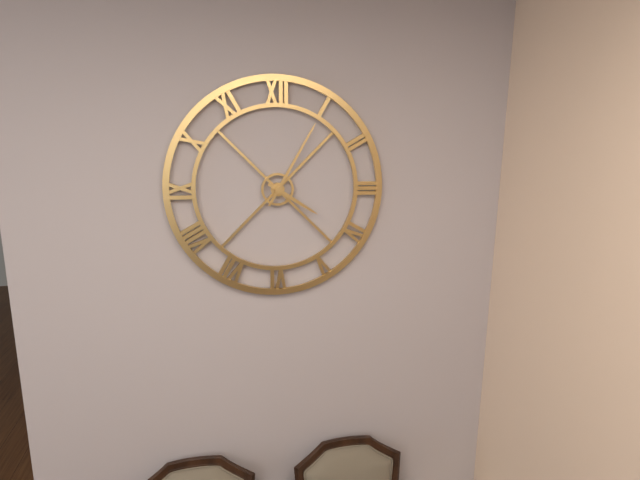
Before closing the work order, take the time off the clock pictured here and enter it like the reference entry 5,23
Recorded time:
4,05
